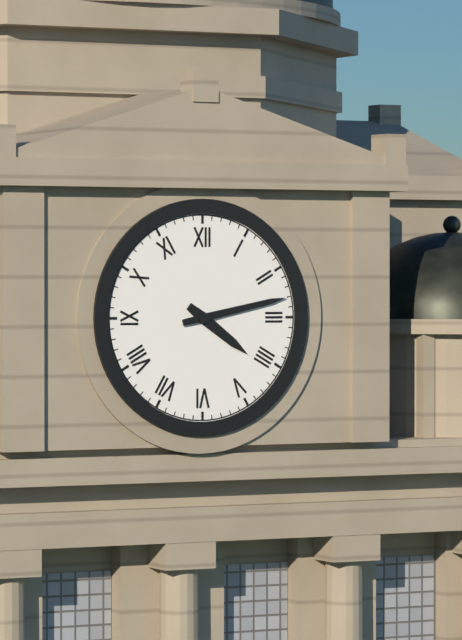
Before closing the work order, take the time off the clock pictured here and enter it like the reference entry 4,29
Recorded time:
4,13
